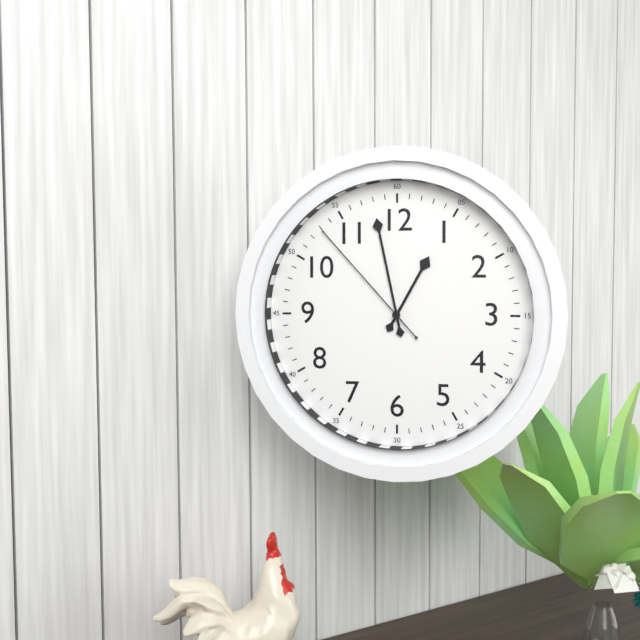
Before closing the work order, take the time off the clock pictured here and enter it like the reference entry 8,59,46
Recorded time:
12,58,53
